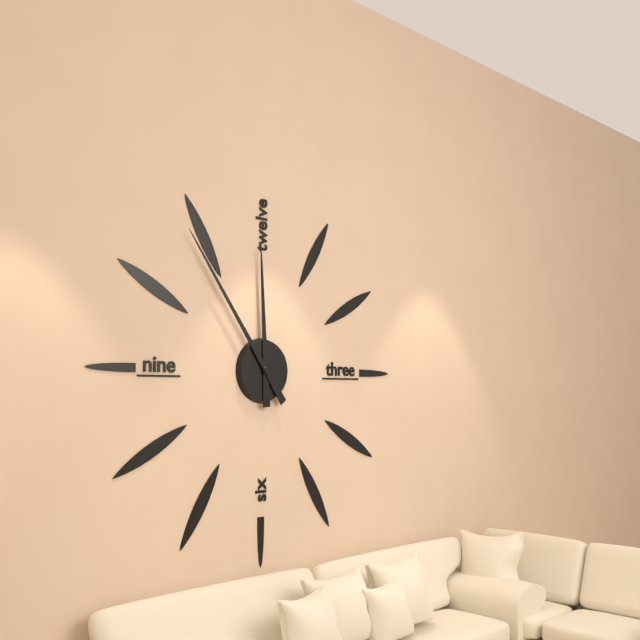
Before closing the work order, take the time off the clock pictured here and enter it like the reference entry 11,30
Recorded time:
11,54
